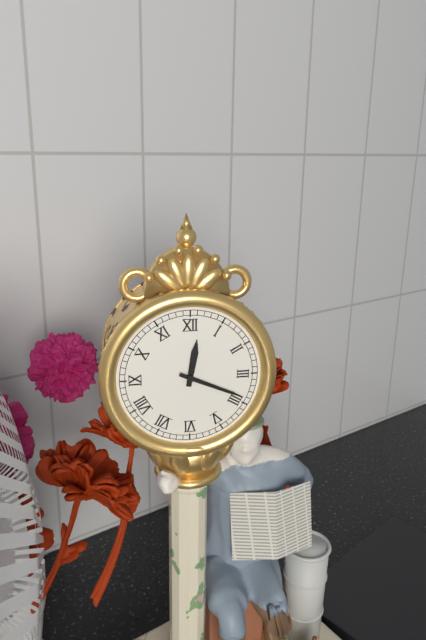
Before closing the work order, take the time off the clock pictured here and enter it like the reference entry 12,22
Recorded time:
12,19
